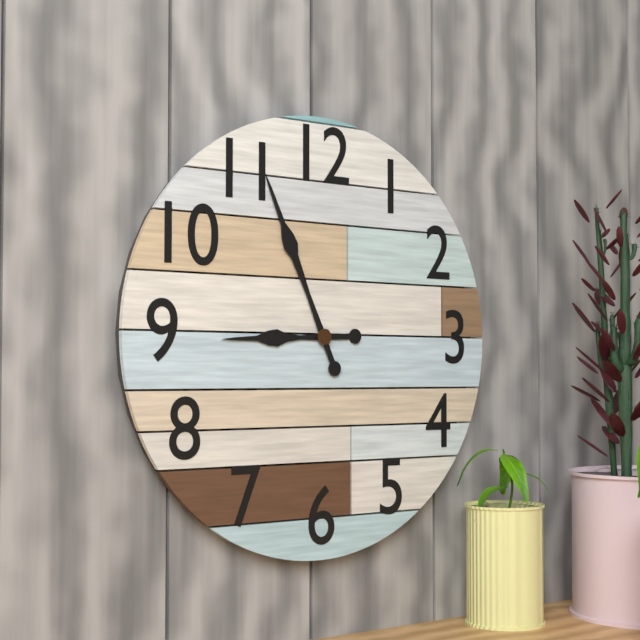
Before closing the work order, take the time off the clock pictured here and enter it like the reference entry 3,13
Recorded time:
8,56
